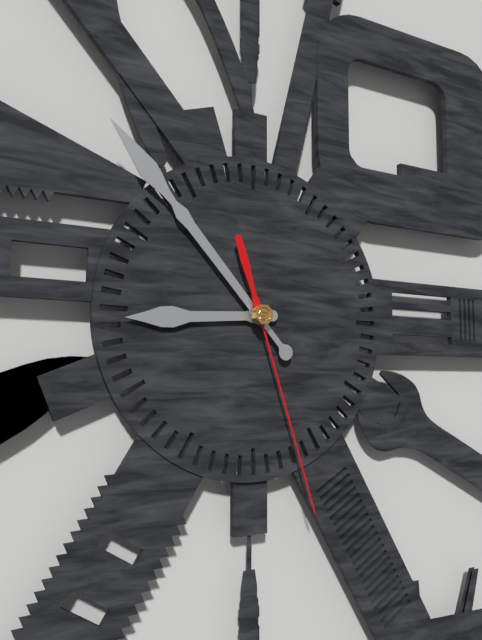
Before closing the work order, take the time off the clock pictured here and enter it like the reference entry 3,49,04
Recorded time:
8,53,27
